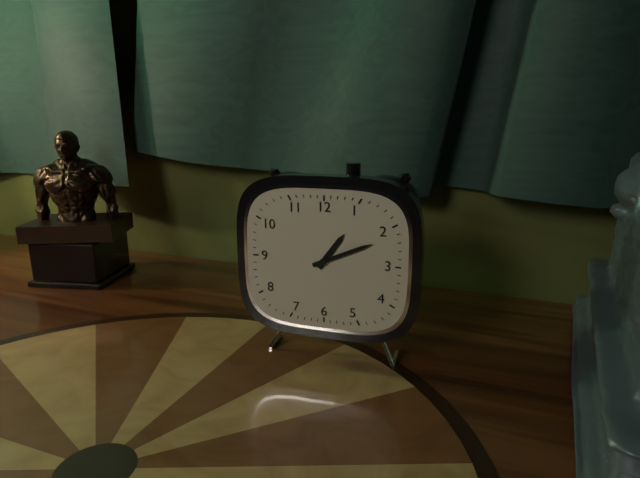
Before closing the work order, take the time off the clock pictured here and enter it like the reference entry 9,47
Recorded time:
1,11
